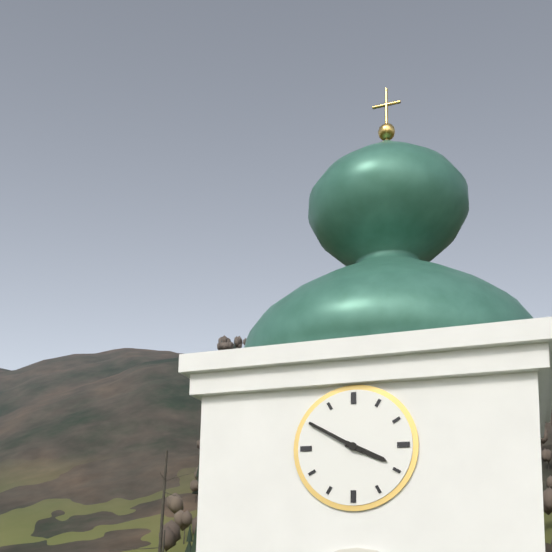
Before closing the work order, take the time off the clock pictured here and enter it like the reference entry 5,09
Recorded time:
3,50
